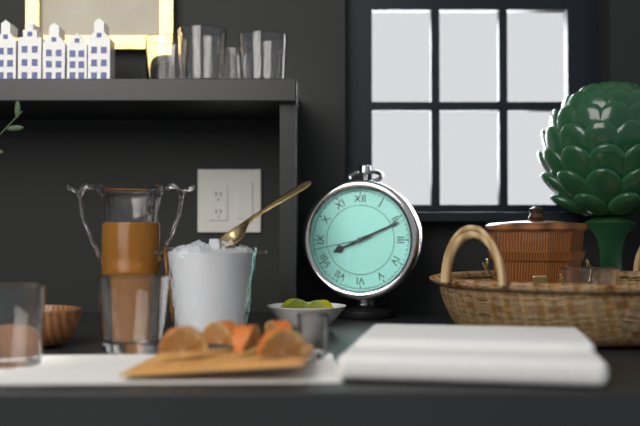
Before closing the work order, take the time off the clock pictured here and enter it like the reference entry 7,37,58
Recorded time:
8,11,43
